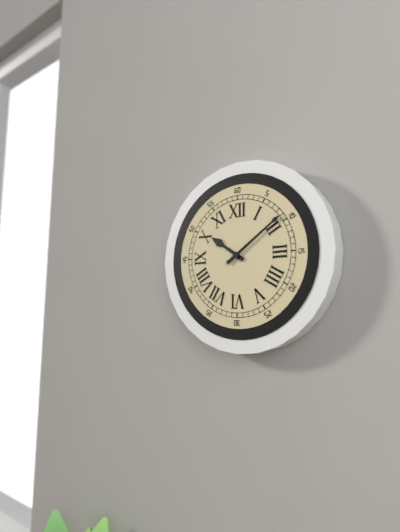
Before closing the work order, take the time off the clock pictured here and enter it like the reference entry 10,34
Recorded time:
10,09
